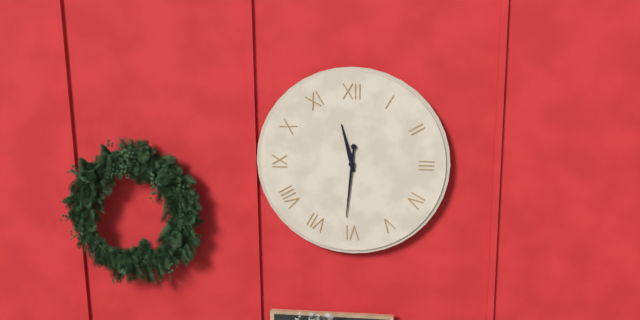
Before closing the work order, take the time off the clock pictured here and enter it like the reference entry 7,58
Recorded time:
11,31
